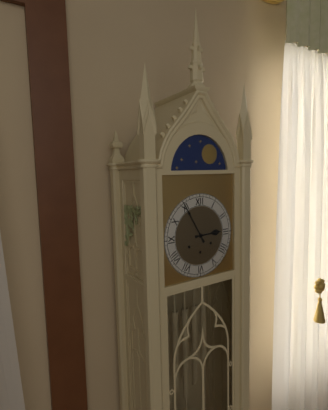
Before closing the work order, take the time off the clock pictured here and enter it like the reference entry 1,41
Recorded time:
2,55
